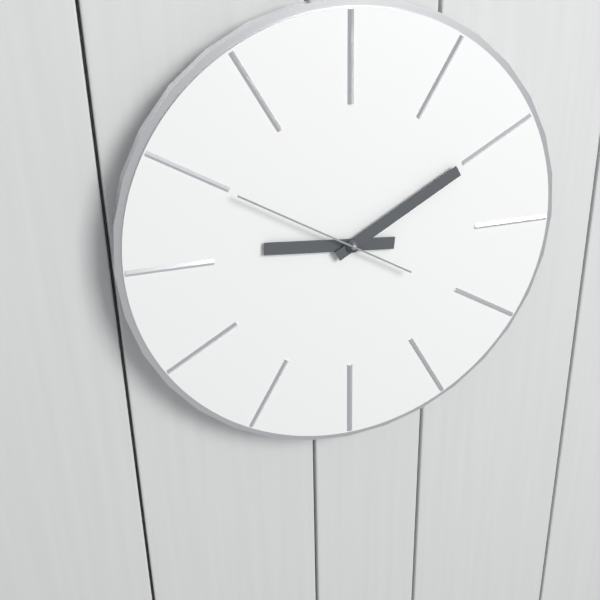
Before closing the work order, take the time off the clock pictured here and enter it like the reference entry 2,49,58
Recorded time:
9,10,50
